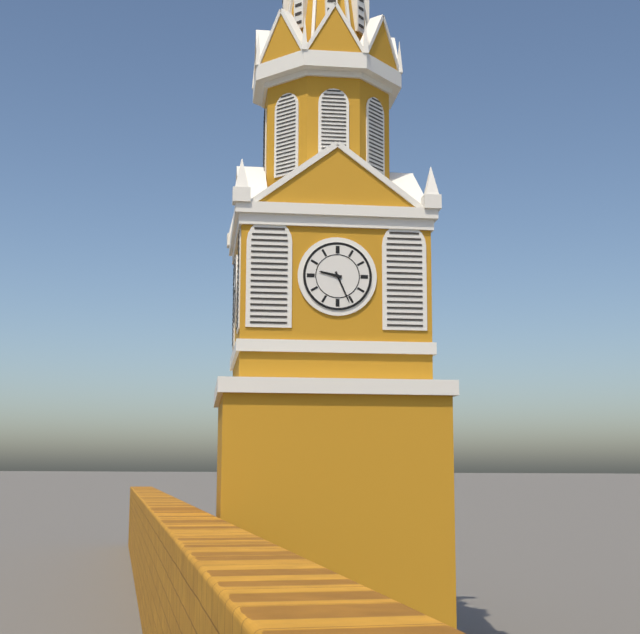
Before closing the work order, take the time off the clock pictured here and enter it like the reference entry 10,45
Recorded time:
9,26
